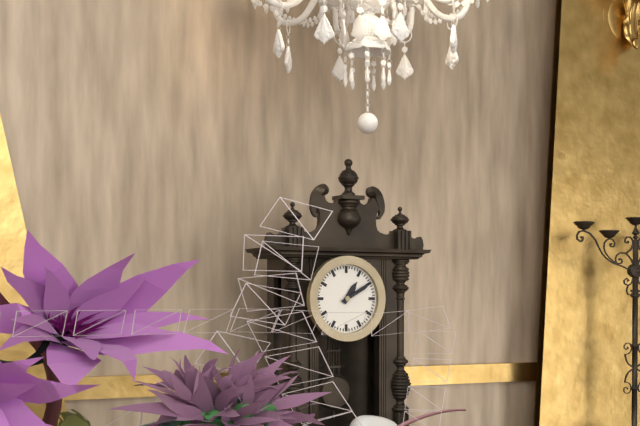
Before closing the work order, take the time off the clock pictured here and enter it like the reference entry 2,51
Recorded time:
1,10
